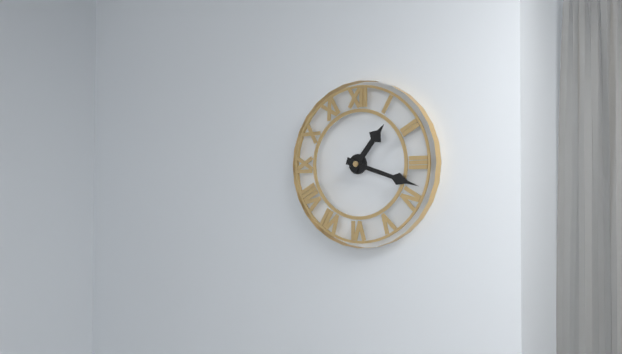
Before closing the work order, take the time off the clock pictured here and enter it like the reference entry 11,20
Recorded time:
1,18
